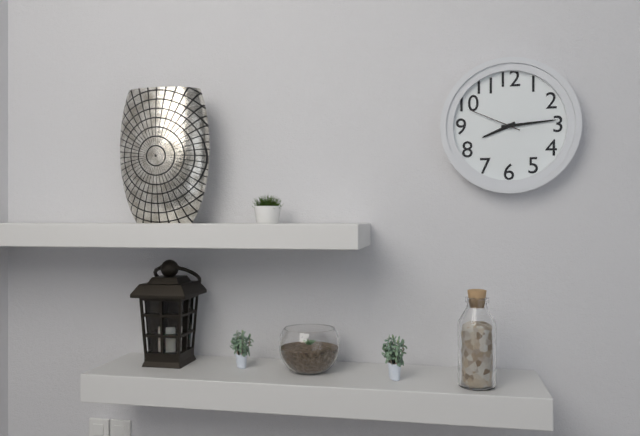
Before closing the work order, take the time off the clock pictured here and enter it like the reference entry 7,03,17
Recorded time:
8,14,49
